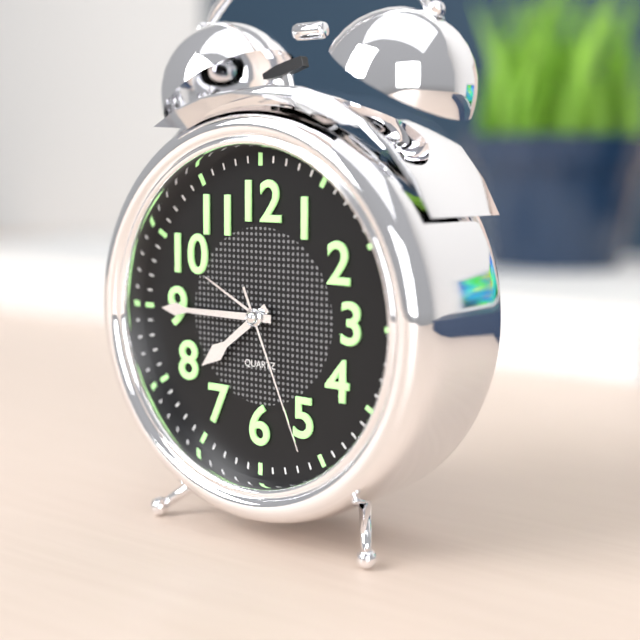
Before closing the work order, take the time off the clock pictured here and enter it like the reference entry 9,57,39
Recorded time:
7,45,26
